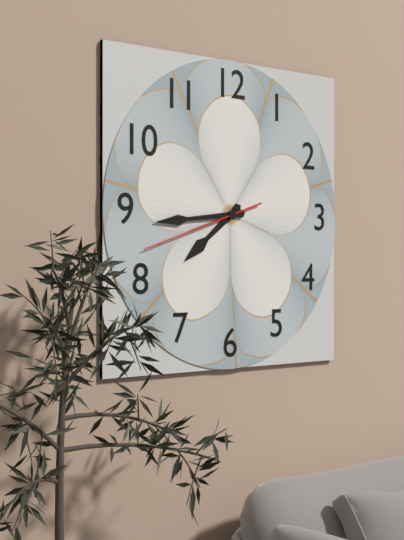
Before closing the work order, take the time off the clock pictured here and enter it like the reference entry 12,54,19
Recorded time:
7,44,42
